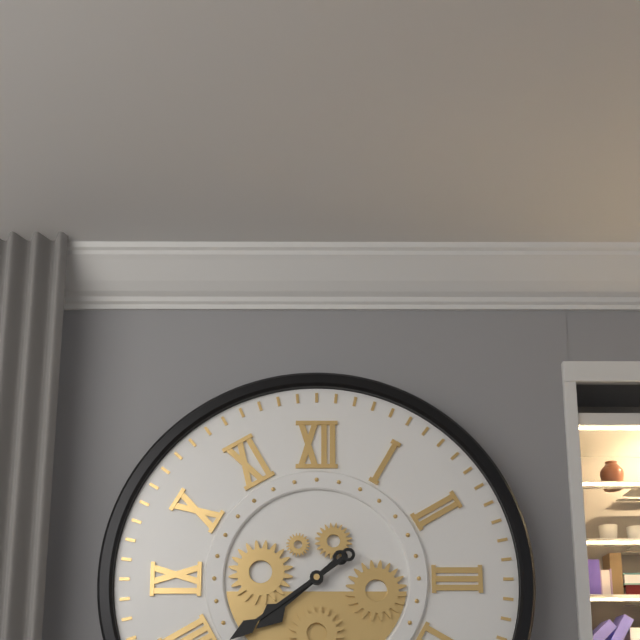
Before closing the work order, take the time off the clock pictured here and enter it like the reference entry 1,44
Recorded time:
7,39
